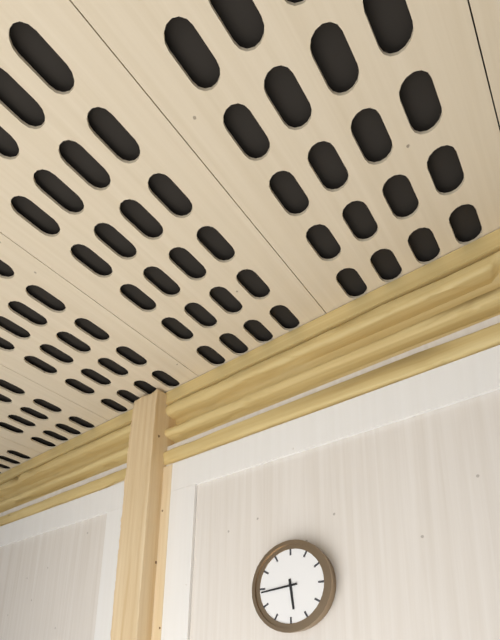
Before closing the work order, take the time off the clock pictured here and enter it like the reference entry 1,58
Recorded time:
5,44
